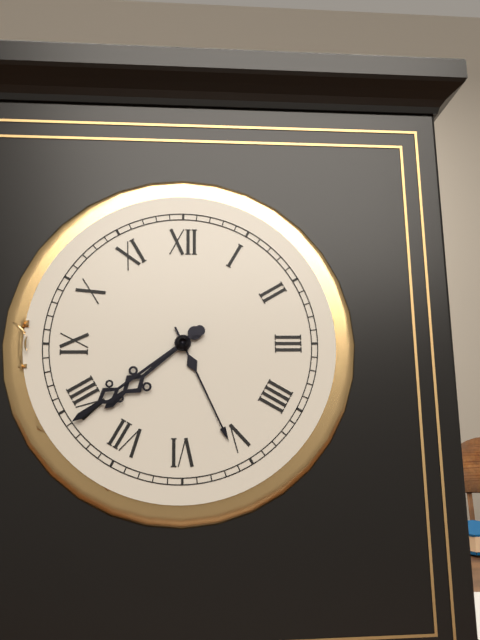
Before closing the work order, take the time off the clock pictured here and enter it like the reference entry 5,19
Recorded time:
7,39
